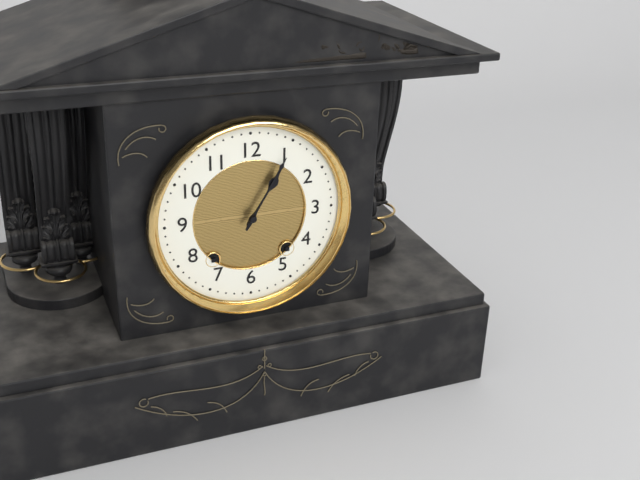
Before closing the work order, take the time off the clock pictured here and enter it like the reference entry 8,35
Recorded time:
1,05
